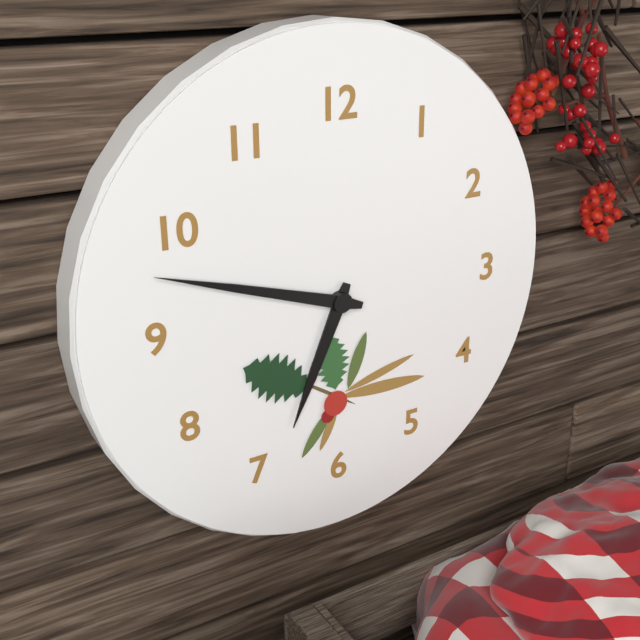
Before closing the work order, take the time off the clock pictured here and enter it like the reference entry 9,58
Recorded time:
6,48
